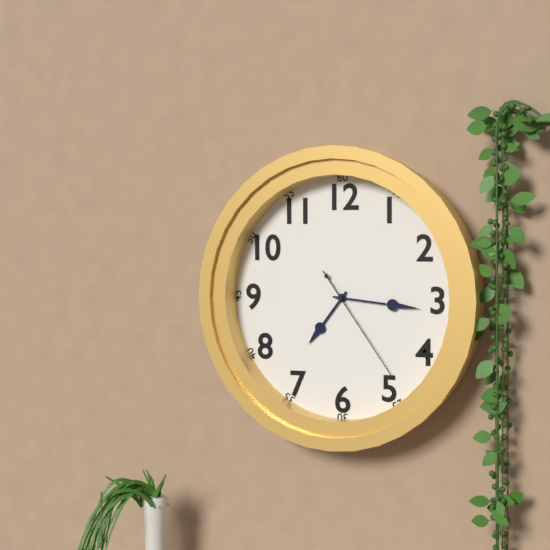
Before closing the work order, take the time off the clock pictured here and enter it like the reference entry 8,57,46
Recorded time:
7,16,24
